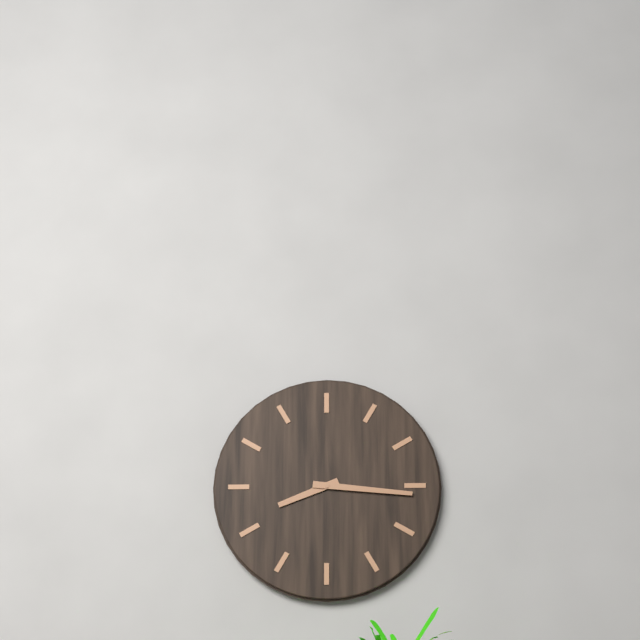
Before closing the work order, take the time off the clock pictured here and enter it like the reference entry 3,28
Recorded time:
8,16
